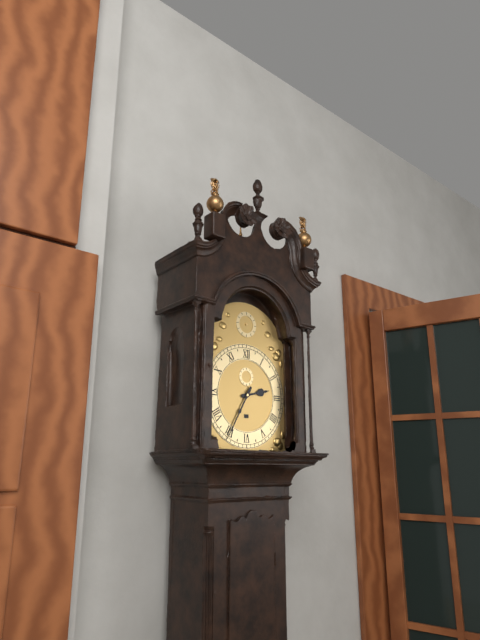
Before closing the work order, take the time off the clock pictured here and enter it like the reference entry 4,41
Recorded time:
2,35
